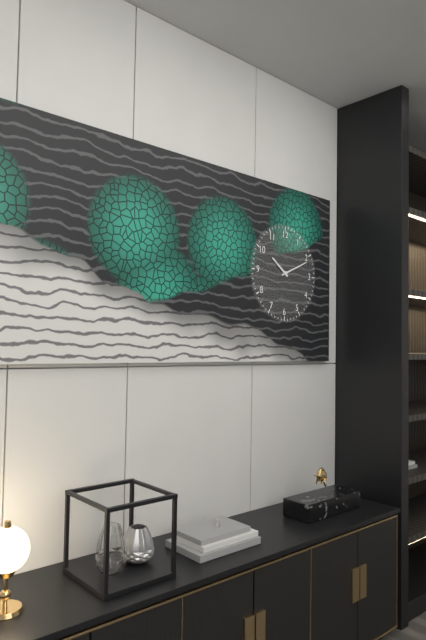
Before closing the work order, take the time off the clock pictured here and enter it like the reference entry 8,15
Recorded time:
10,11
